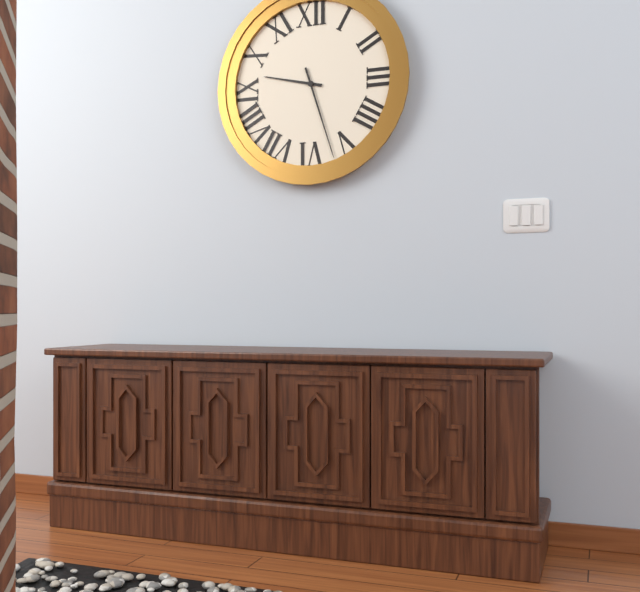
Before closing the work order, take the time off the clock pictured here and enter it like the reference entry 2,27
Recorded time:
9,27
